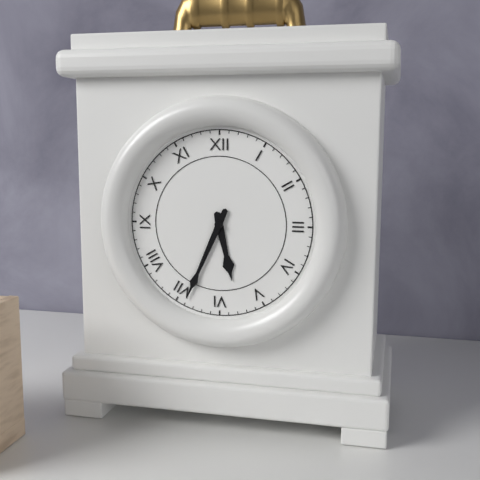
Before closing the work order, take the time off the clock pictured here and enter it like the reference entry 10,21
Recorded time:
5,34
